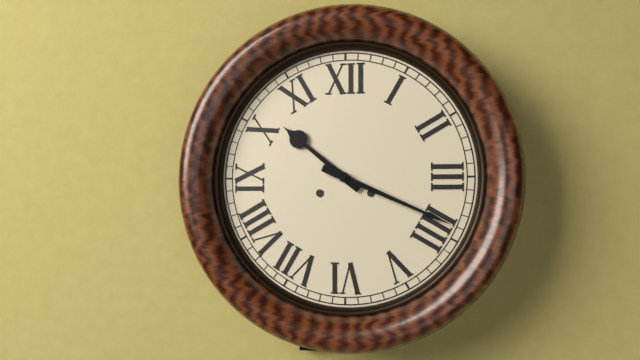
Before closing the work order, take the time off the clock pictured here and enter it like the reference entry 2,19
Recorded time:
10,19
